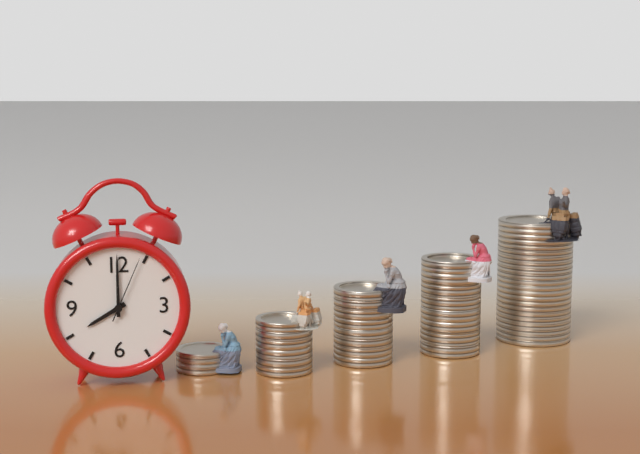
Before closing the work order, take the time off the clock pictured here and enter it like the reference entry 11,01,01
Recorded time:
8,00,04
